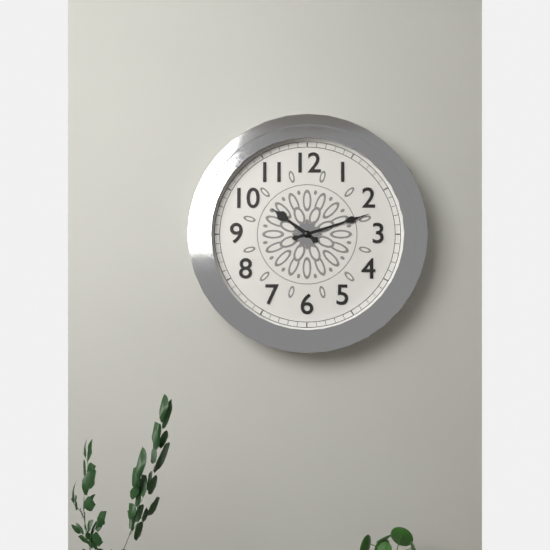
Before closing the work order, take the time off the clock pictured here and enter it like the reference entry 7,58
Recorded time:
10,12
